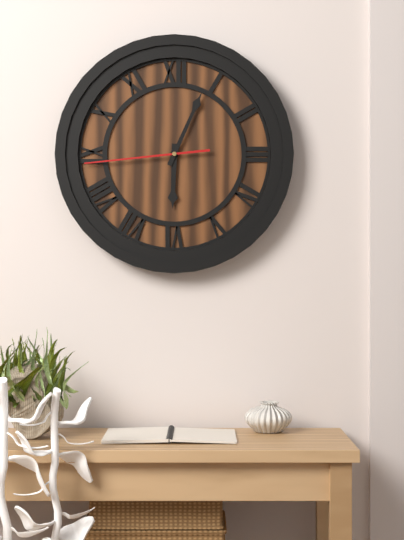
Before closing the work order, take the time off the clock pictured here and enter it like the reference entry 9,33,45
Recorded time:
6,04,44
